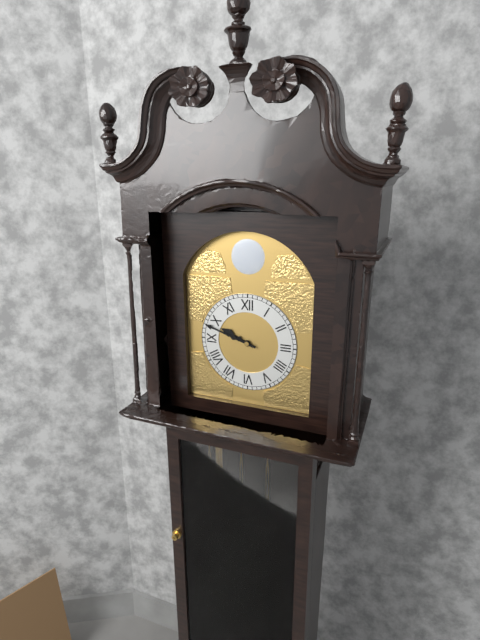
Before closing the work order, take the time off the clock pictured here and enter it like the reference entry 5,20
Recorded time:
9,48
